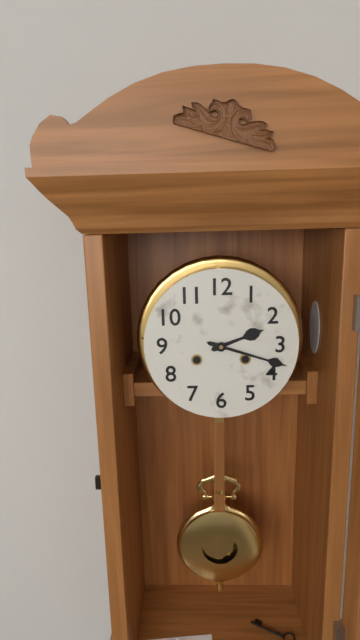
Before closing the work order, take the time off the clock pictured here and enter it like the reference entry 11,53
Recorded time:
2,18
